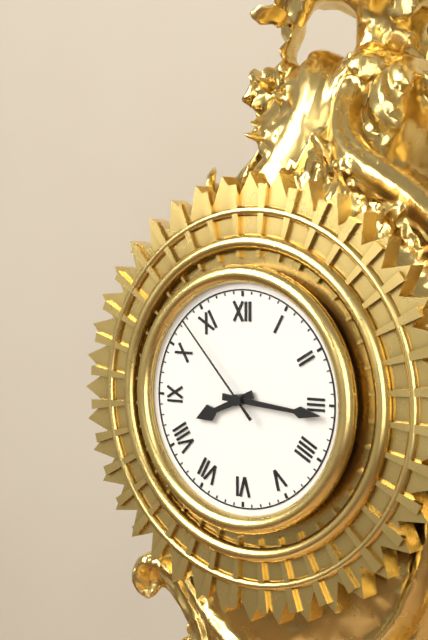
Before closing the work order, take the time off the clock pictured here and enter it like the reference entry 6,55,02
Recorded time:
8,16,53
